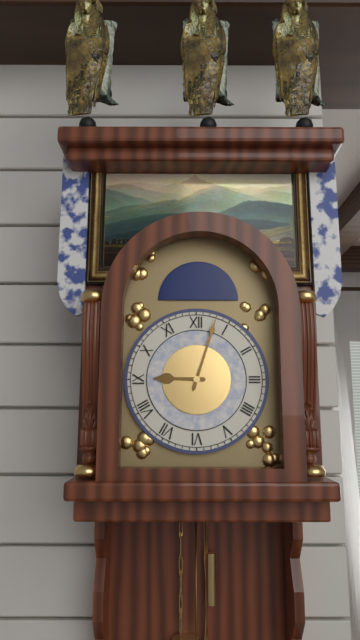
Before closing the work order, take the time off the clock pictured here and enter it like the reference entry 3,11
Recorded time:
9,03
